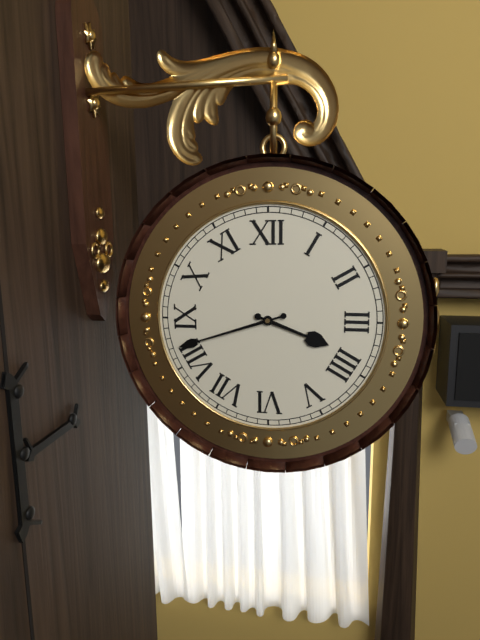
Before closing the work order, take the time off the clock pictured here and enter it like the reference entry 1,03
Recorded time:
3,42
